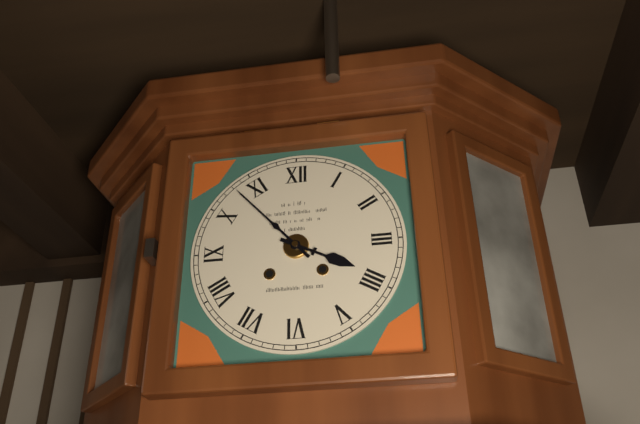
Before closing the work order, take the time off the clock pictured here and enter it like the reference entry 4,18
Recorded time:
3,53
